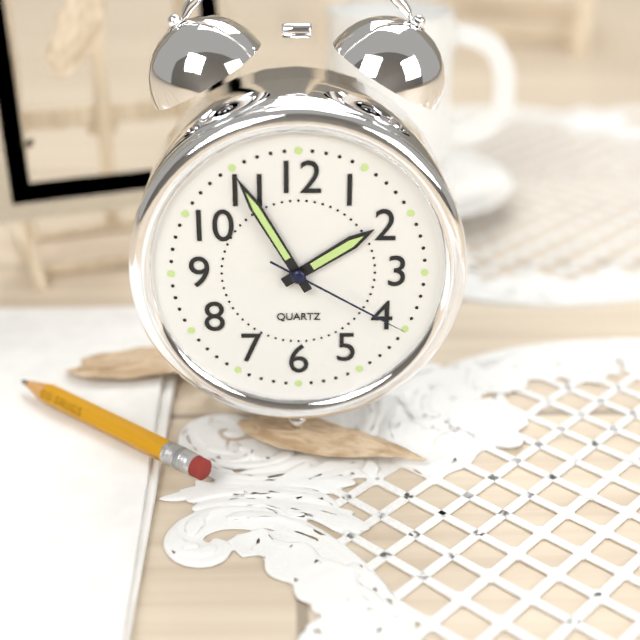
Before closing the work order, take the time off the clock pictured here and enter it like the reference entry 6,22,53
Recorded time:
1,55,20
